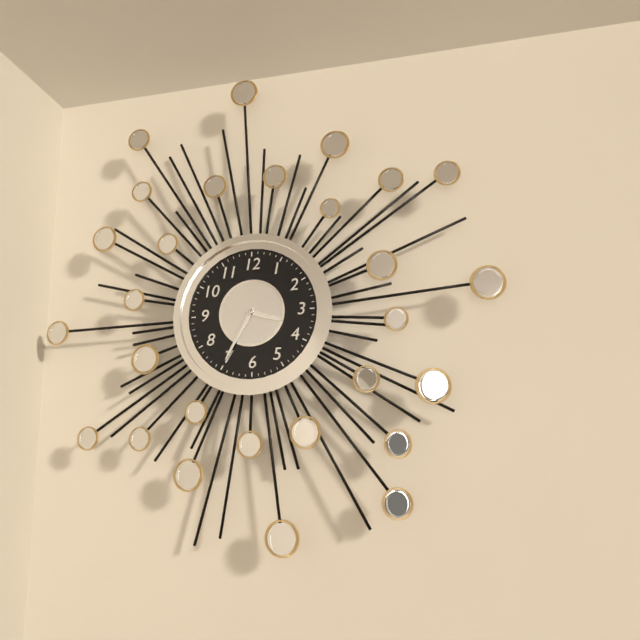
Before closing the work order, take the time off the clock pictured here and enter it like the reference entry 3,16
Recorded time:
3,35
